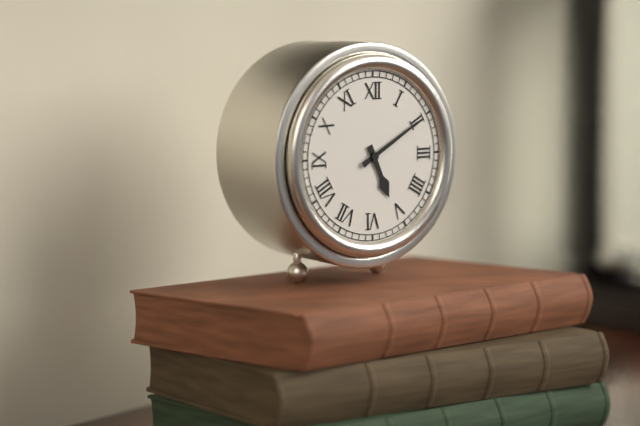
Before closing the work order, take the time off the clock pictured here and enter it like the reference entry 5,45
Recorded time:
5,10
